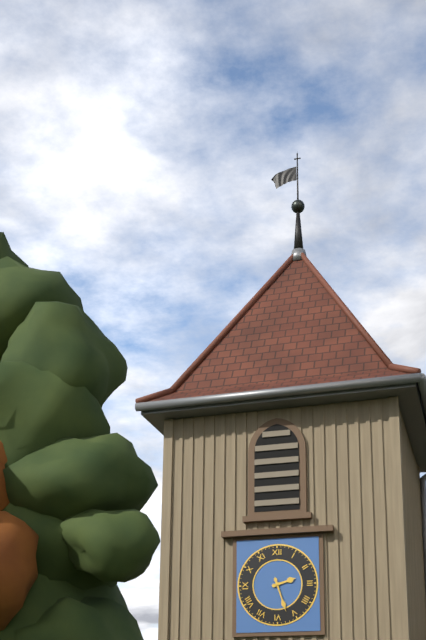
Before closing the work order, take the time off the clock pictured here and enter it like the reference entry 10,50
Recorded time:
2,27
